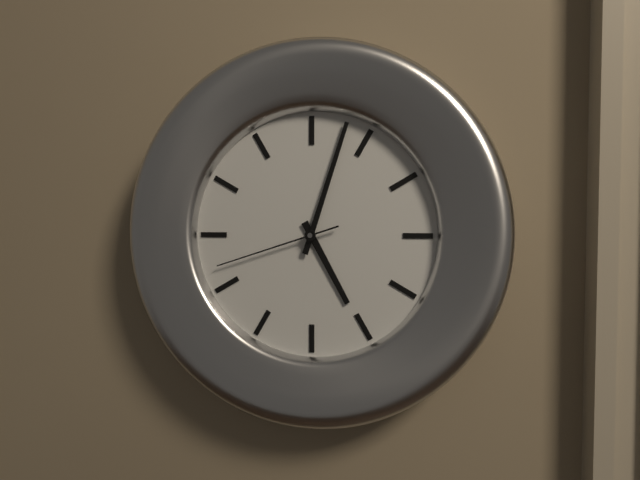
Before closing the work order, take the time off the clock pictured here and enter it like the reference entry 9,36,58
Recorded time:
5,03,42
